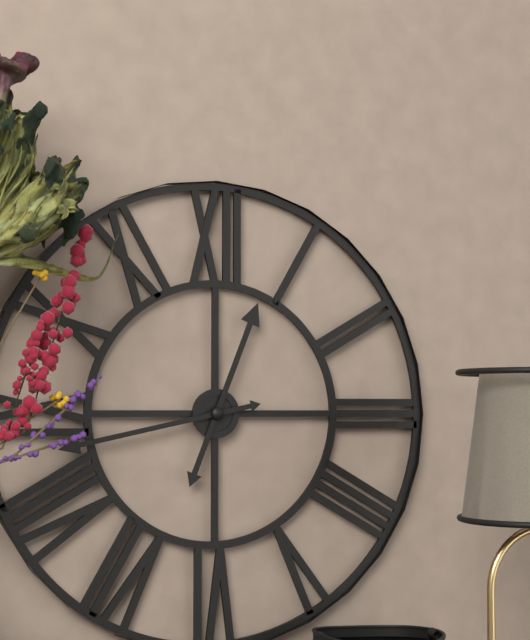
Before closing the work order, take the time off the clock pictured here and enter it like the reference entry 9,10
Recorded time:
12,43
